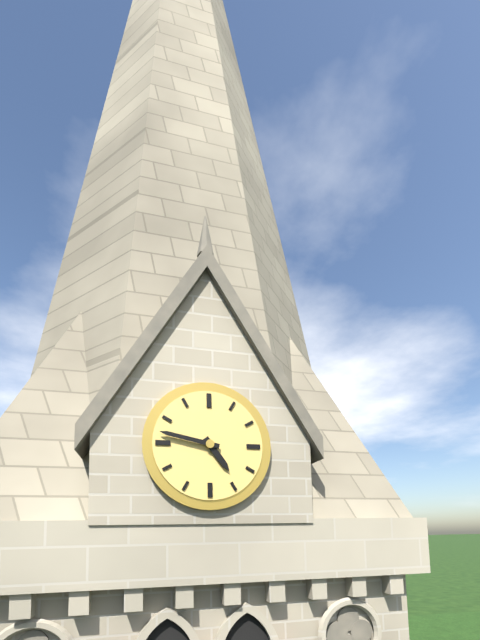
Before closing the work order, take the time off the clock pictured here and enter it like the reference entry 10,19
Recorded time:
4,47
